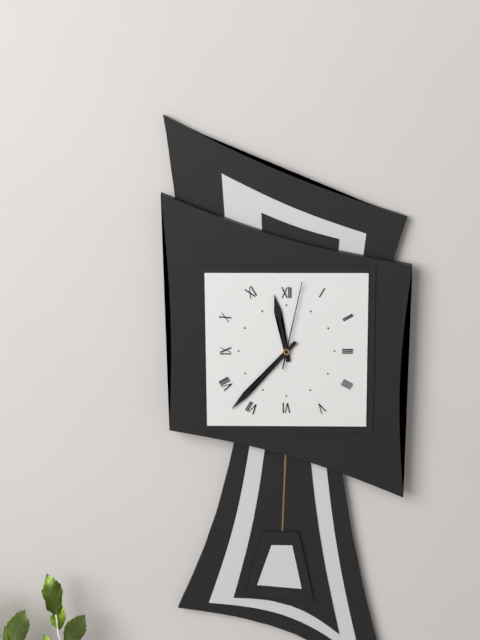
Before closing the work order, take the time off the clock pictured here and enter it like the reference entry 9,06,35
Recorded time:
11,37,02
